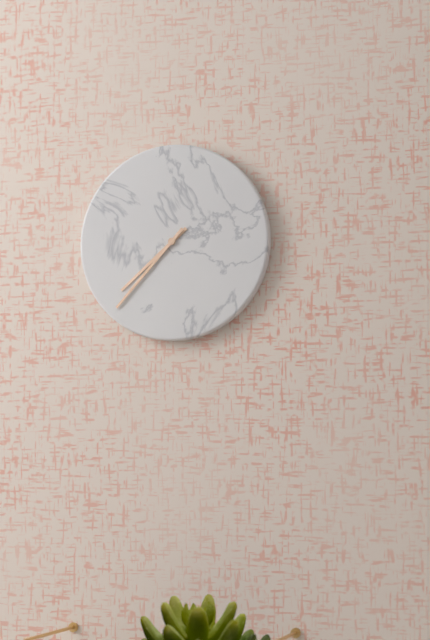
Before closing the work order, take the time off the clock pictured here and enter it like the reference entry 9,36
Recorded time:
7,37
